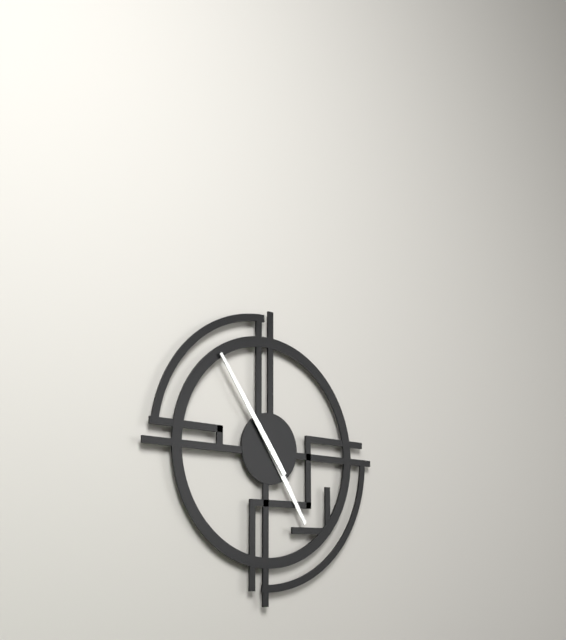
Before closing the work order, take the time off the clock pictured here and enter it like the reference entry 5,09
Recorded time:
4,54
